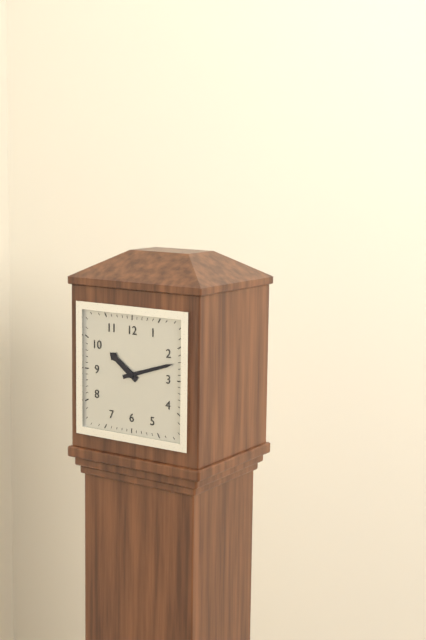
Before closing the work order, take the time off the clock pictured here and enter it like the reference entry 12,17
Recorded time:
10,12
